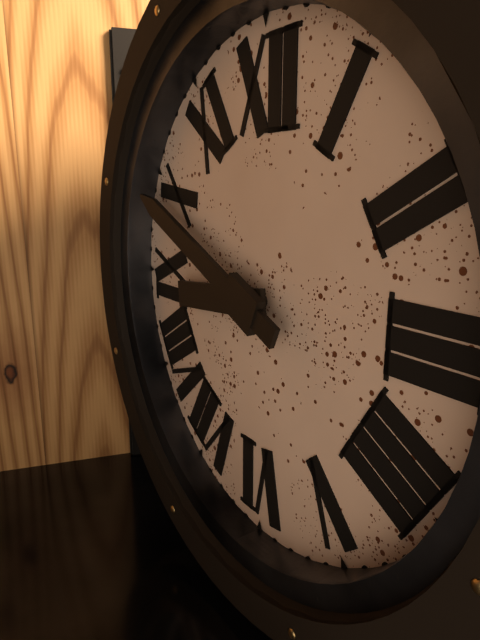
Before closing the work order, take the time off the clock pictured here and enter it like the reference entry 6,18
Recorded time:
8,49
